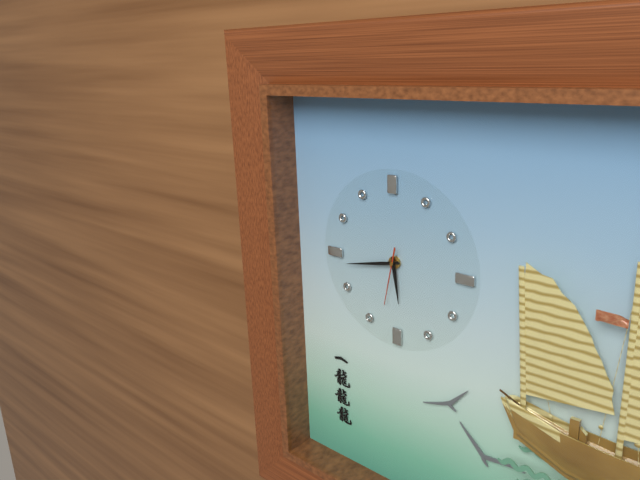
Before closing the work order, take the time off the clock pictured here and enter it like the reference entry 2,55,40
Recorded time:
5,43,32
